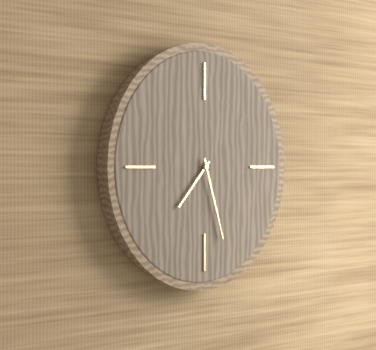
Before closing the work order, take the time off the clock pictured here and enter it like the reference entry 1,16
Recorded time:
7,27
